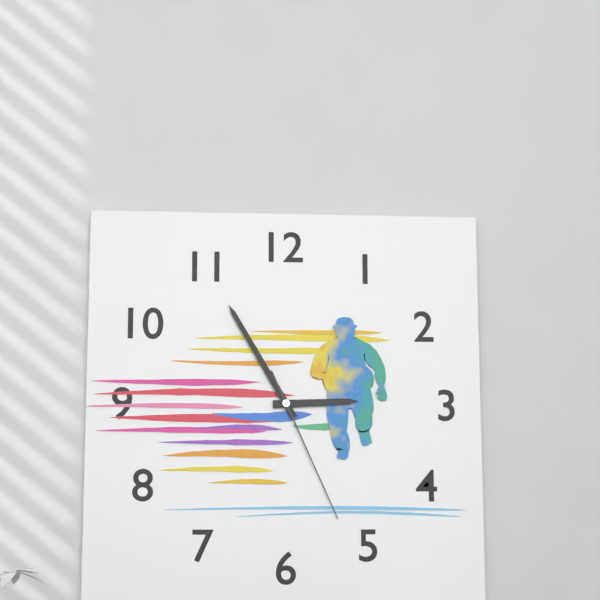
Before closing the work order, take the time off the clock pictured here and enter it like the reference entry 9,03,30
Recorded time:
2,55,26
